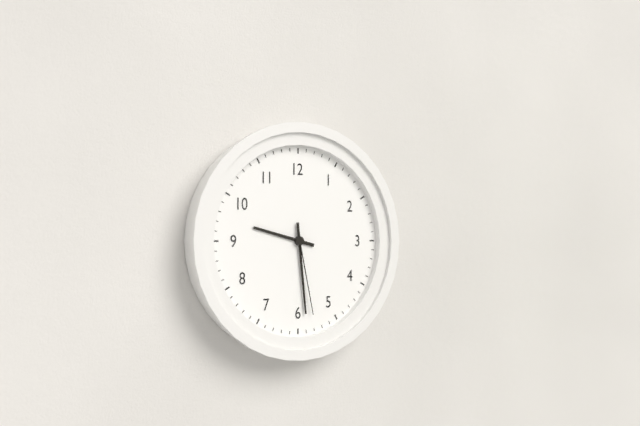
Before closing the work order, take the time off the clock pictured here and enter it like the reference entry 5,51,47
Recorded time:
9,29,28
